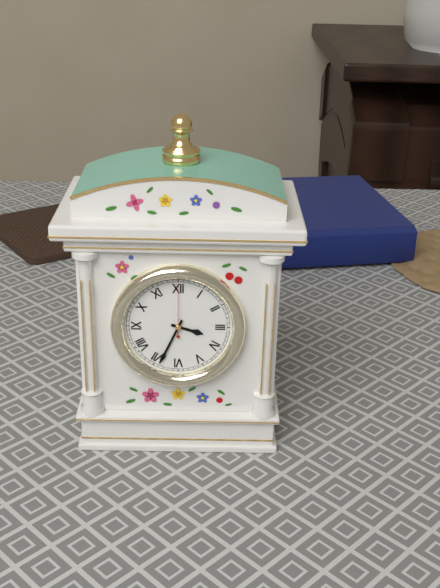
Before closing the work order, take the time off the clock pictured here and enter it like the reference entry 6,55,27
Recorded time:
3,34,00
